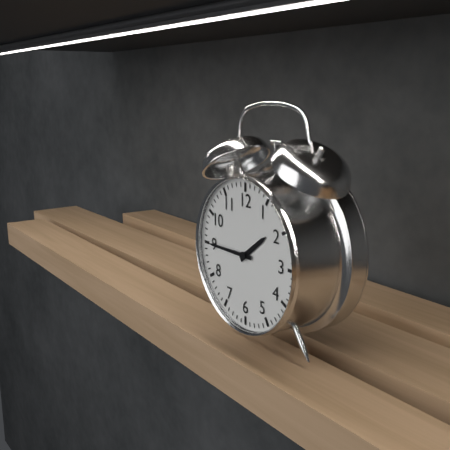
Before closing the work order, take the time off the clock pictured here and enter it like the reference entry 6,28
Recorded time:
1,45
